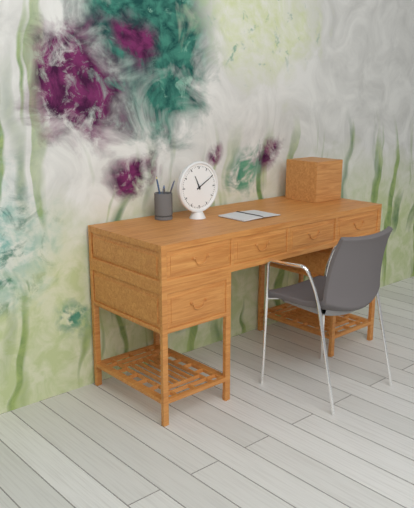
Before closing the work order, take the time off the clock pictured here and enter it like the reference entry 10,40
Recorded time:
11,10
